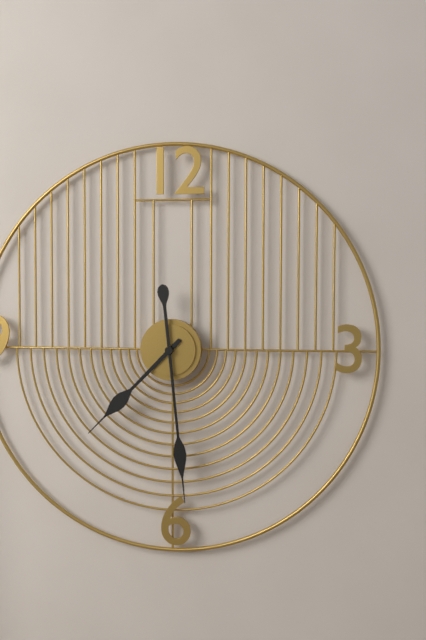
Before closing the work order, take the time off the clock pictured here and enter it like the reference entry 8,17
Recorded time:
7,29
